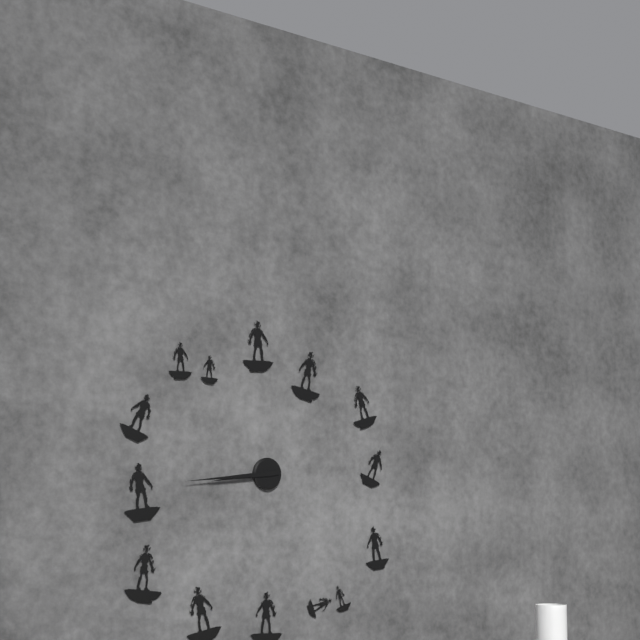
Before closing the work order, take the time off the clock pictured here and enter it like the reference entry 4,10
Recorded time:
8,44
